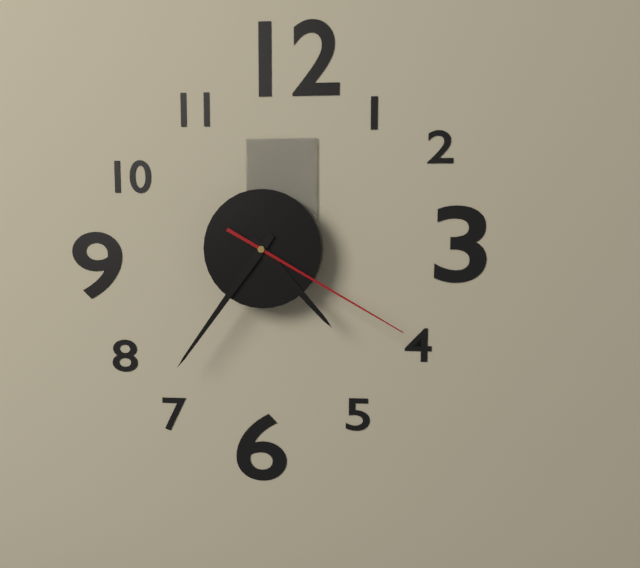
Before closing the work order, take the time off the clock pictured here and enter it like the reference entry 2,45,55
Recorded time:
4,36,20
